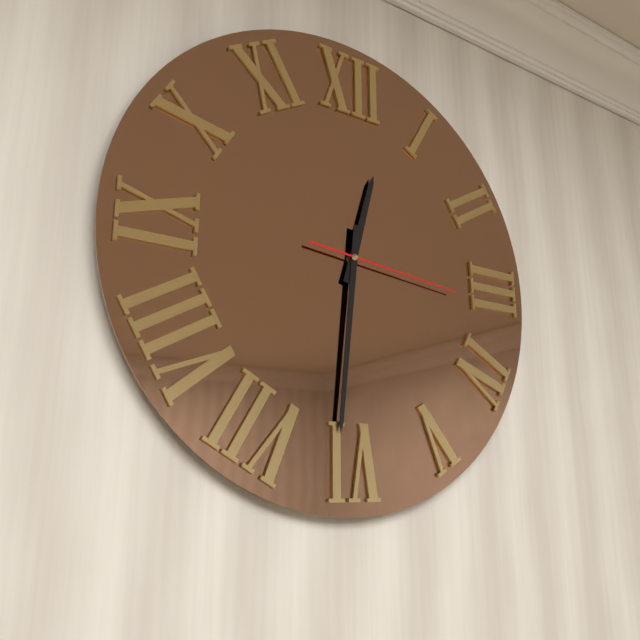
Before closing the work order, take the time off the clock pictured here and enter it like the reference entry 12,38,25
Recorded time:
12,31,16
